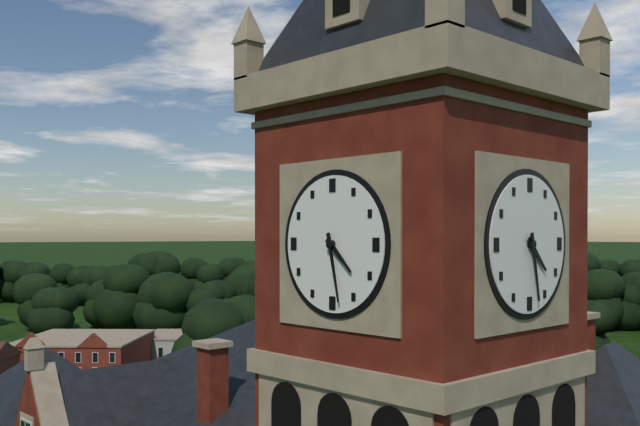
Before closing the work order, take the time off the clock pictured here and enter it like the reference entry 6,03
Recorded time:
4,28
